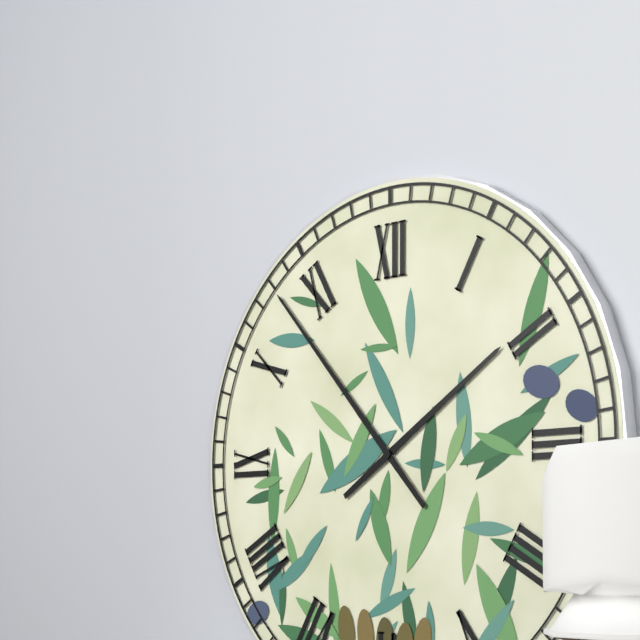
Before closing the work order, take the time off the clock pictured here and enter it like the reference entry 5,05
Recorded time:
1,53
